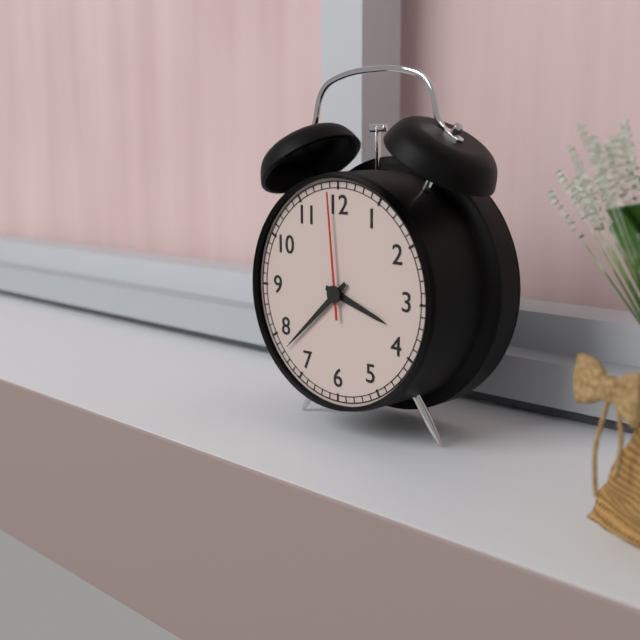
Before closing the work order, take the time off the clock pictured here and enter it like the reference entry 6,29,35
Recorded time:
3,38,59
